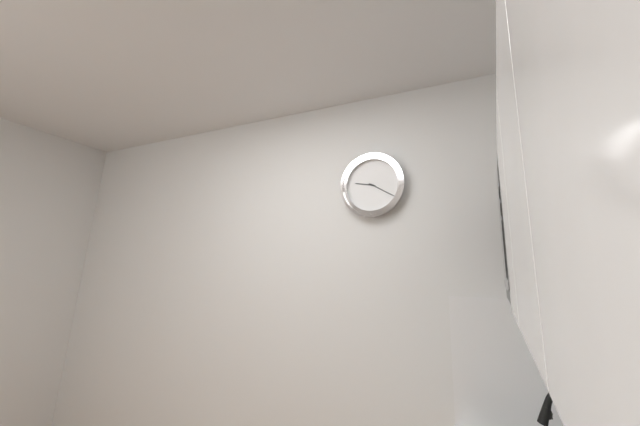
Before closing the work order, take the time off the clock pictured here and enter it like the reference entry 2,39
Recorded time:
9,20
